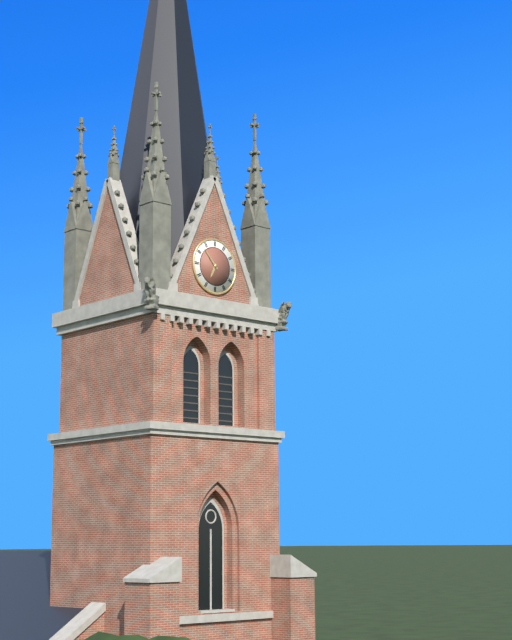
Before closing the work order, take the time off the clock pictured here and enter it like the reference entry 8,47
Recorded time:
6,53
